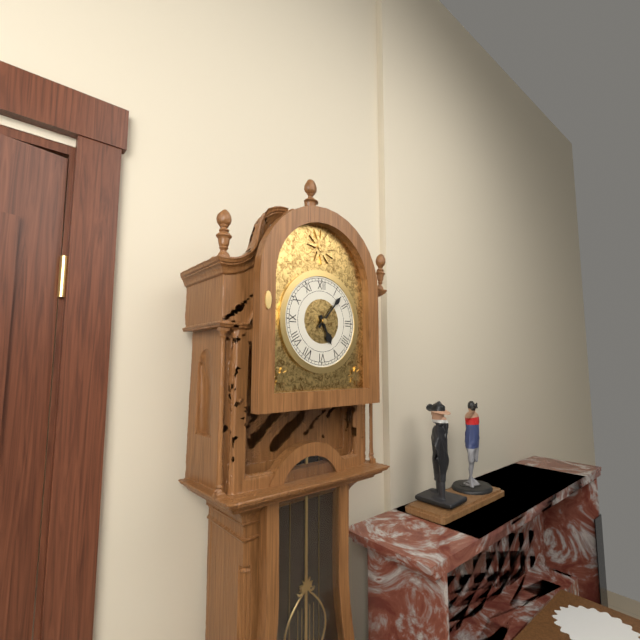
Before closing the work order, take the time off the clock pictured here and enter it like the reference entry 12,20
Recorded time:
5,07
